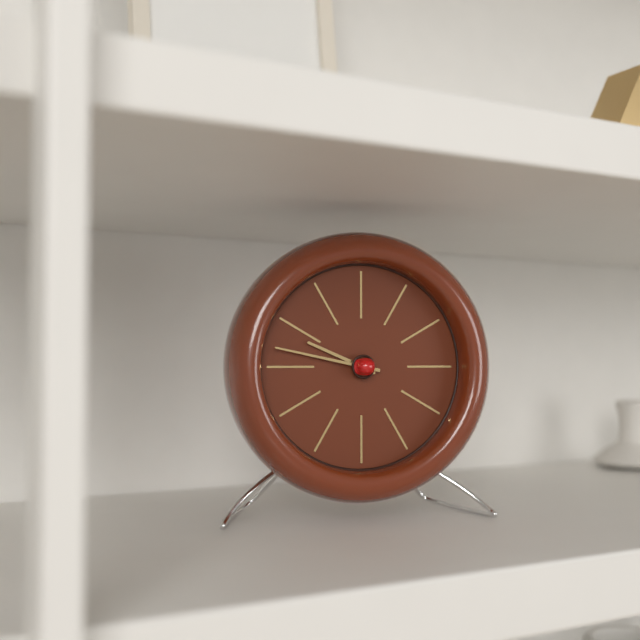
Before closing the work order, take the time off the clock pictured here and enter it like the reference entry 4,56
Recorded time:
9,47
